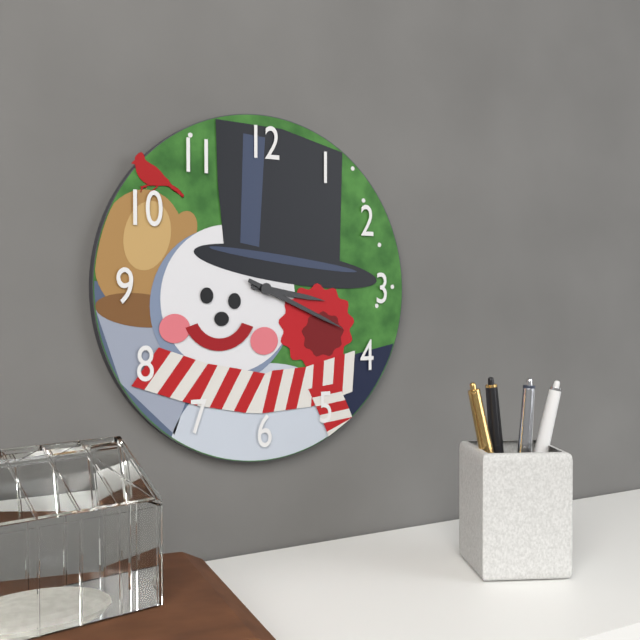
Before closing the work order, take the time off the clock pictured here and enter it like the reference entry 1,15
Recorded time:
3,19
